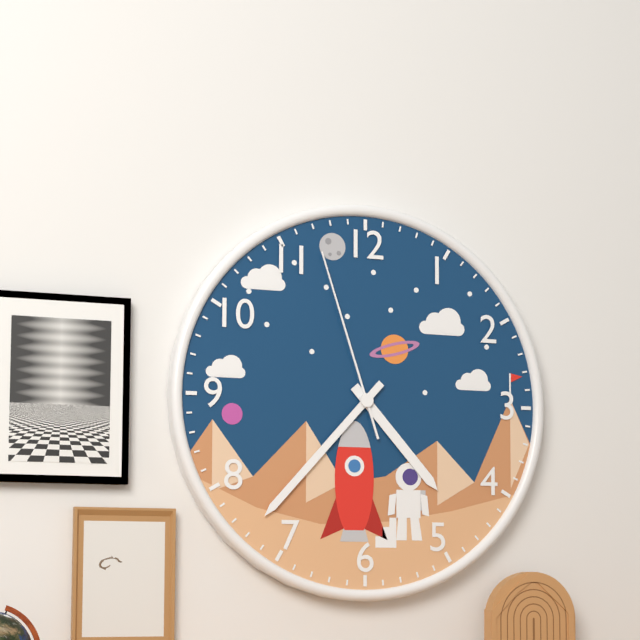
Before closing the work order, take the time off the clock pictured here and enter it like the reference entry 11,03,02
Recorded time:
4,37,57
